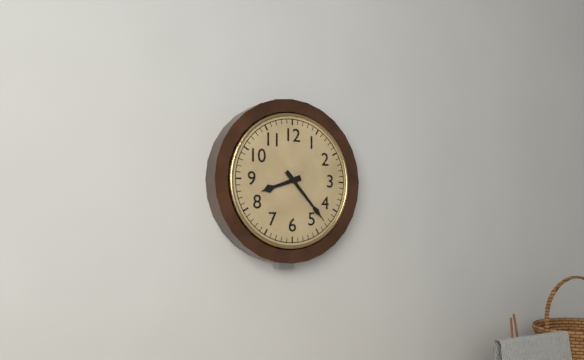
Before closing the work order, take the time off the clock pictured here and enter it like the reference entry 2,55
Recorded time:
8,23
